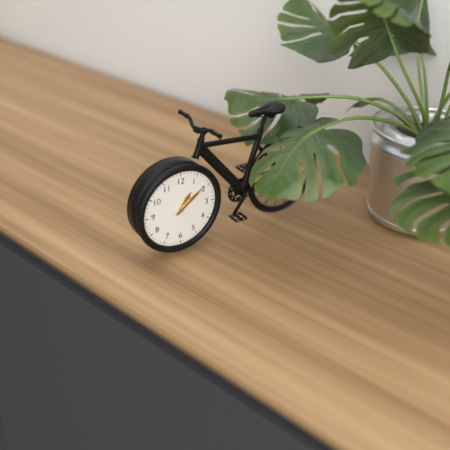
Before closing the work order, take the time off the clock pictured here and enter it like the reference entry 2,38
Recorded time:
1,09
